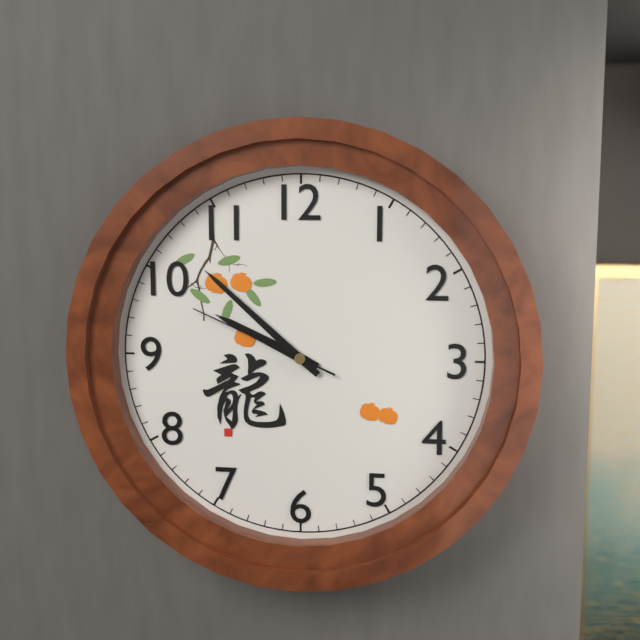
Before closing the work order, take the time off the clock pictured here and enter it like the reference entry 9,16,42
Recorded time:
9,52,49
